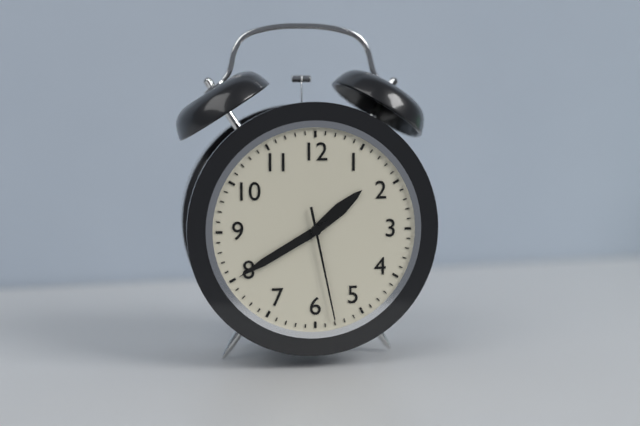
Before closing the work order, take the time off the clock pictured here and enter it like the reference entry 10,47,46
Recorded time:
1,40,28
